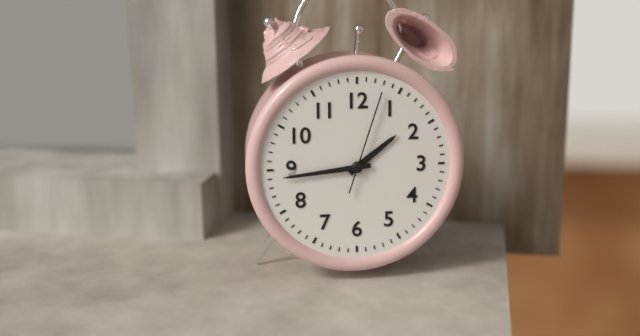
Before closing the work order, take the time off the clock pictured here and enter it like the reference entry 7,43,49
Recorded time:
1,44,03
